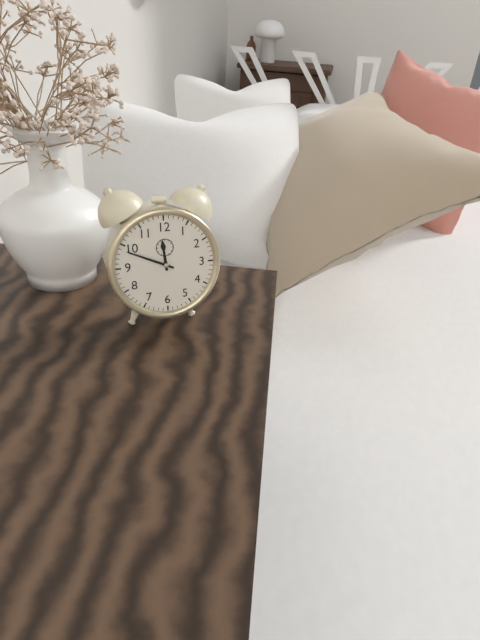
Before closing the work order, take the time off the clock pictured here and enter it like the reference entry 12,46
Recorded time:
11,49
